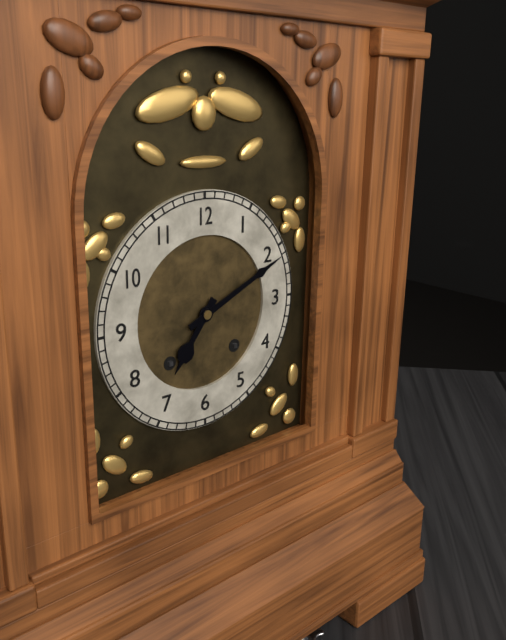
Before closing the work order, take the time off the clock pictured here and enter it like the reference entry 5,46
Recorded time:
7,11
